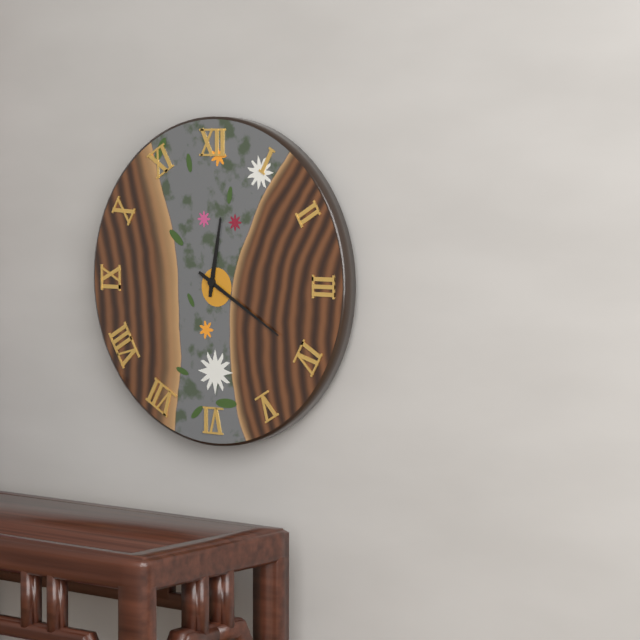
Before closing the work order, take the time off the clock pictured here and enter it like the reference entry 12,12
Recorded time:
12,20
